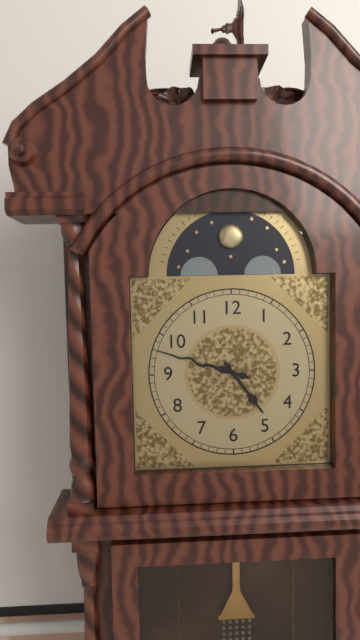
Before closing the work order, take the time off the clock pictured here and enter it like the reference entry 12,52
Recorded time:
4,48
